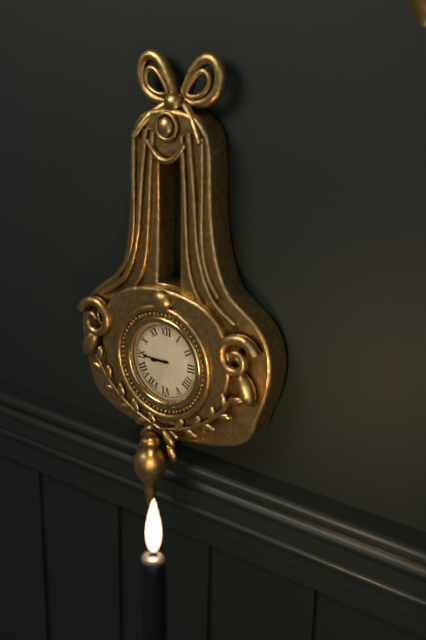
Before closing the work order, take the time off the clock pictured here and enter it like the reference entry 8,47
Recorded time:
8,45
